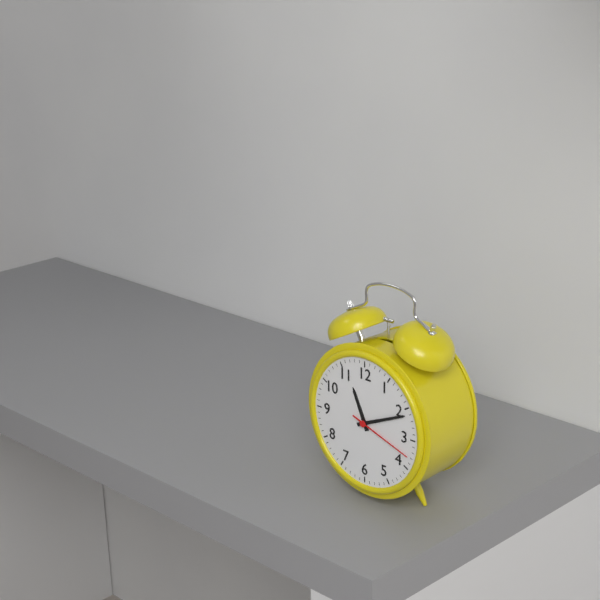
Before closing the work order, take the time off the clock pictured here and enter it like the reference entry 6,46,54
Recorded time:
11,11,18
